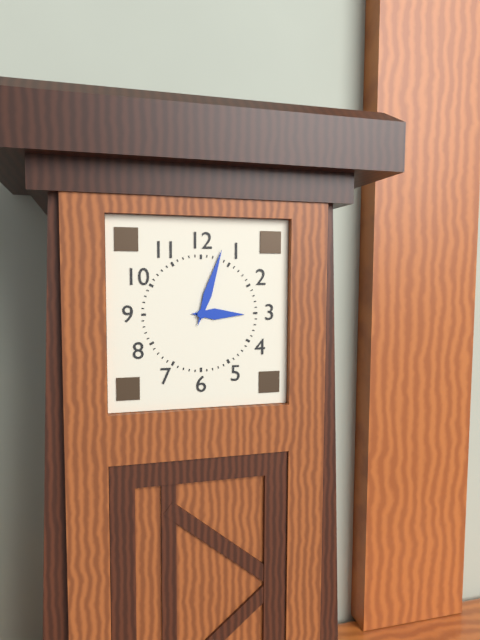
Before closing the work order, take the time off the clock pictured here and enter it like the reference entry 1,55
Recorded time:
3,03
